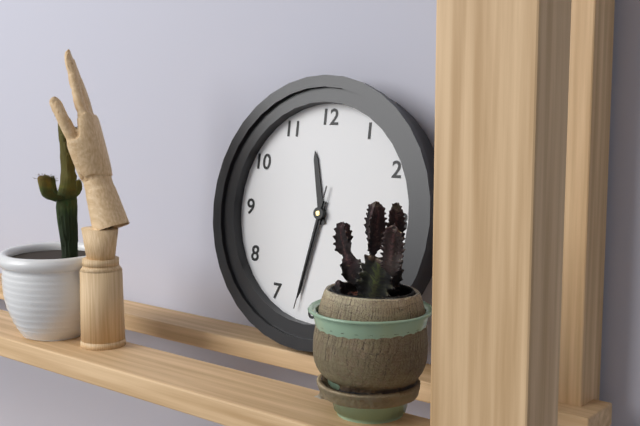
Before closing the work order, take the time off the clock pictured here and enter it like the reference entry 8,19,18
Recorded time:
11,32,32
